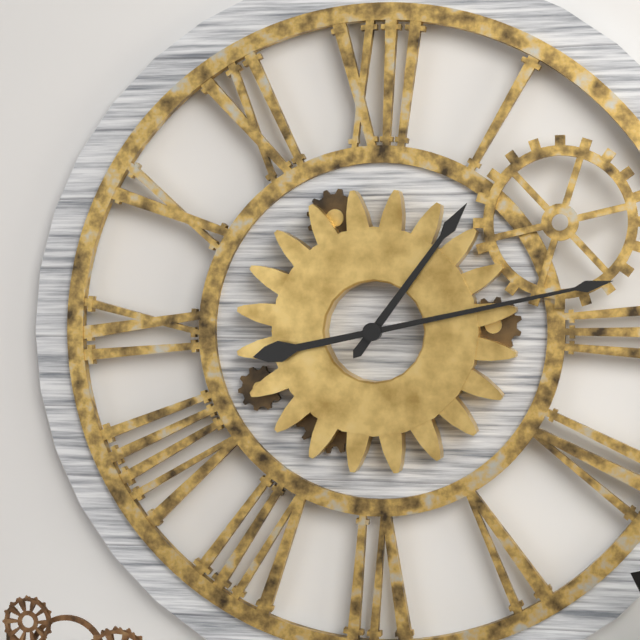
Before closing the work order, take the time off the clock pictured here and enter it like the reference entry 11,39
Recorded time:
1,13
